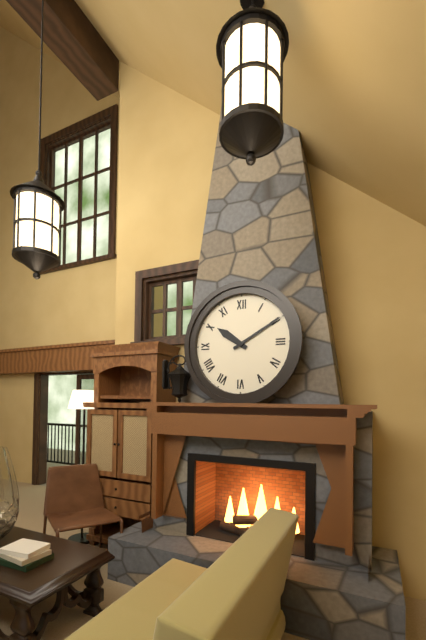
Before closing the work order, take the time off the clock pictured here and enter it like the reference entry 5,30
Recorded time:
10,10
